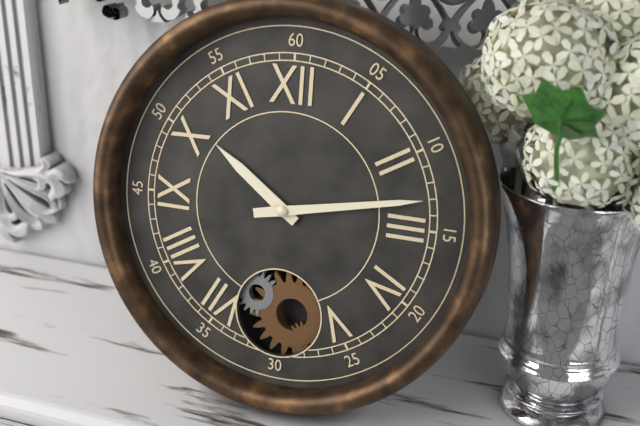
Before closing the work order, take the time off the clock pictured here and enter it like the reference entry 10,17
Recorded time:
10,13
